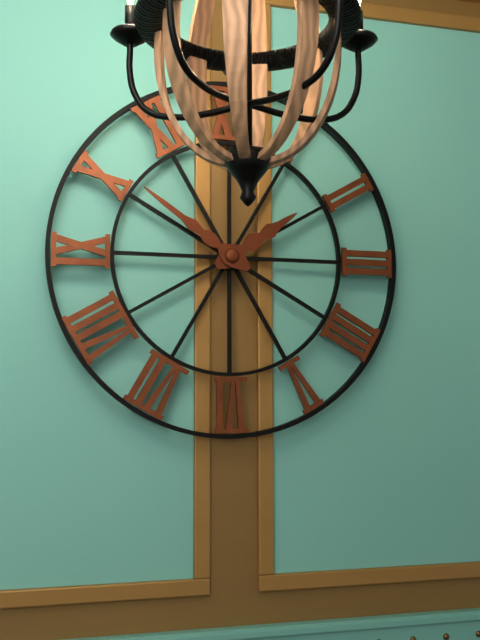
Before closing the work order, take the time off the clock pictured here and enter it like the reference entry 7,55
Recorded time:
1,51
